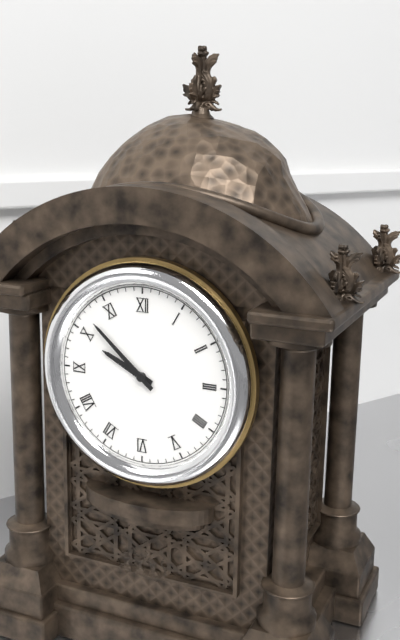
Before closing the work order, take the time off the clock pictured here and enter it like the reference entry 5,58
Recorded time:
9,52
